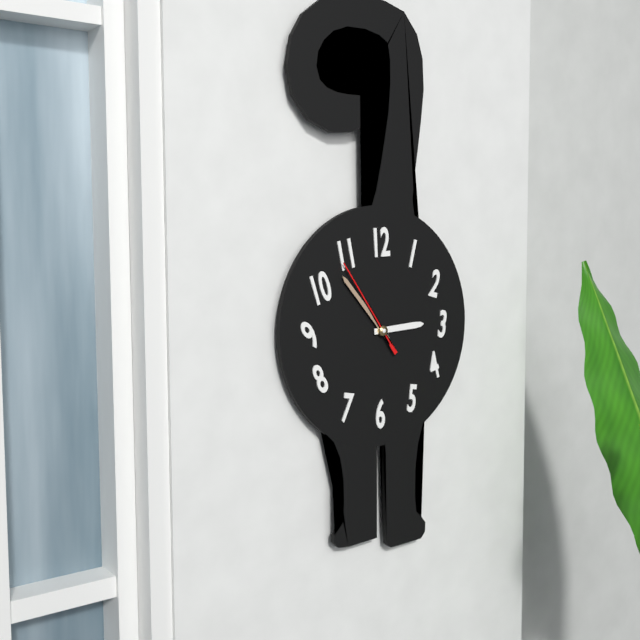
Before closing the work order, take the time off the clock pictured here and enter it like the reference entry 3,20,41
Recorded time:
2,53,54
